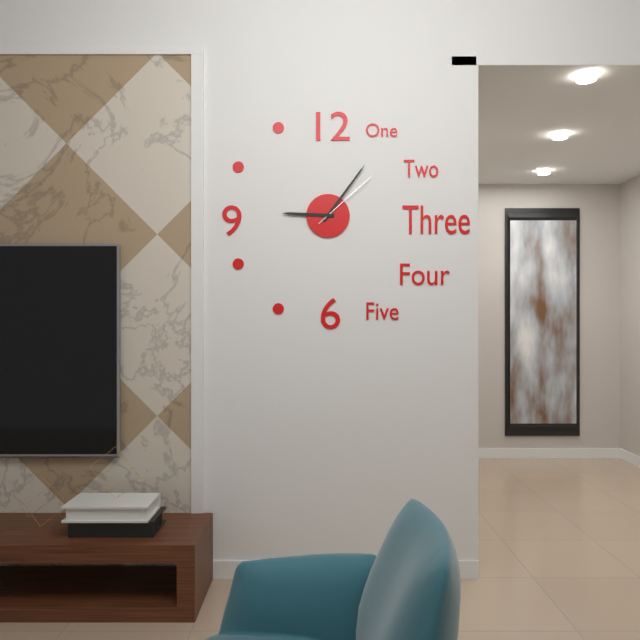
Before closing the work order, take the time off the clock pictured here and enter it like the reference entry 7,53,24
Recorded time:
9,06,08
